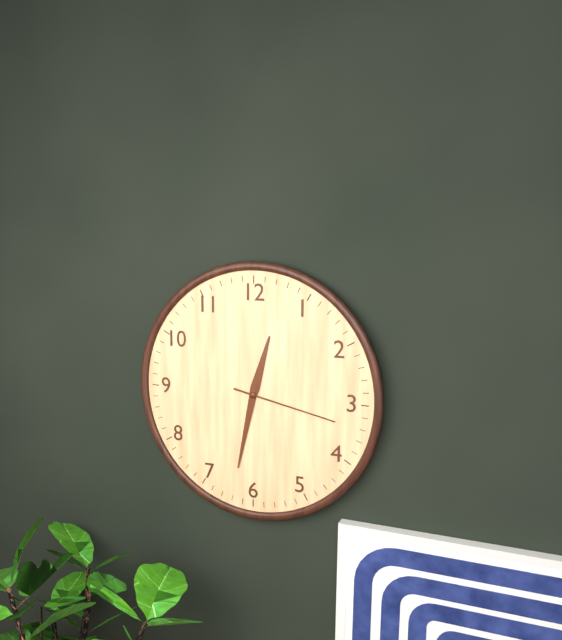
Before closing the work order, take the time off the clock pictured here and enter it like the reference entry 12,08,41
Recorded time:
12,32,17
